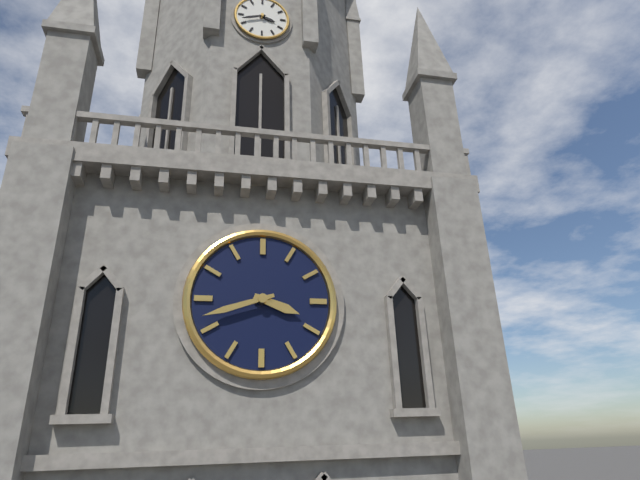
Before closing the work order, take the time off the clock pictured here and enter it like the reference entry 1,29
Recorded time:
3,42
